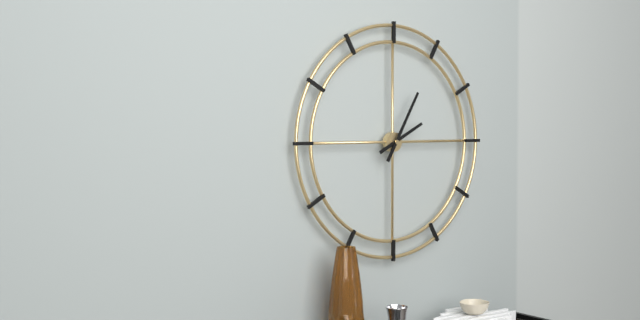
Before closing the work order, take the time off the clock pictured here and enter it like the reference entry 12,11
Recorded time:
2,05
